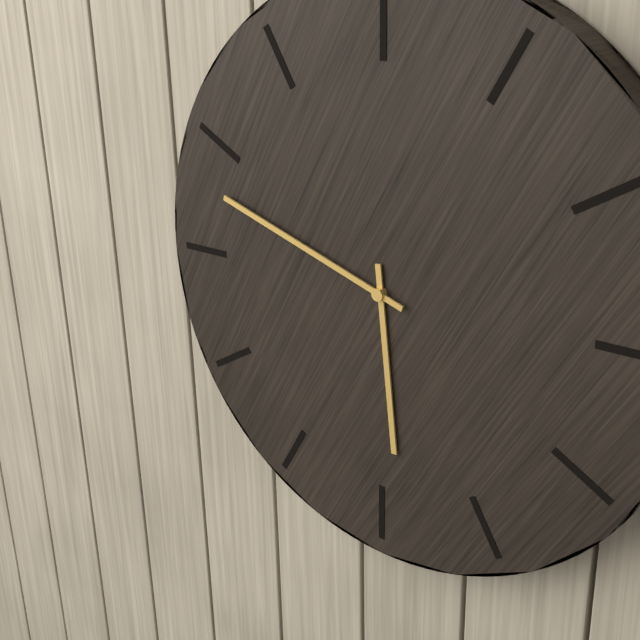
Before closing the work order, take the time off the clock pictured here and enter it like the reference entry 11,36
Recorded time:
5,48
